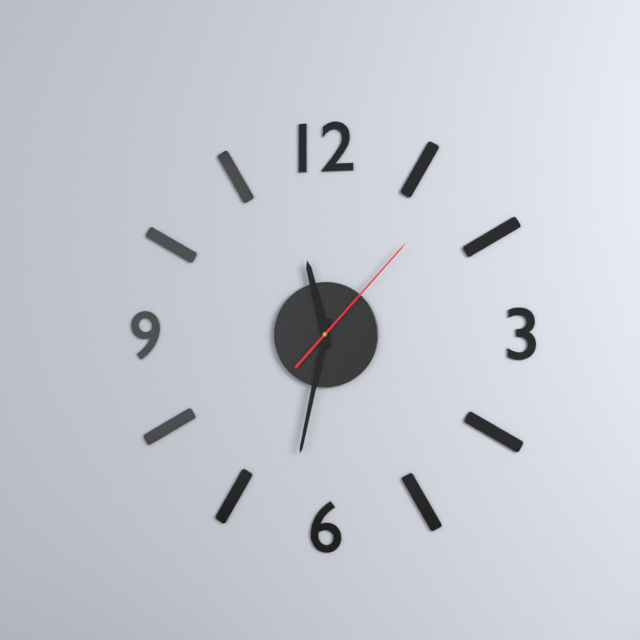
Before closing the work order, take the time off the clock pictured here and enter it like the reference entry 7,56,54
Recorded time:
11,32,07
